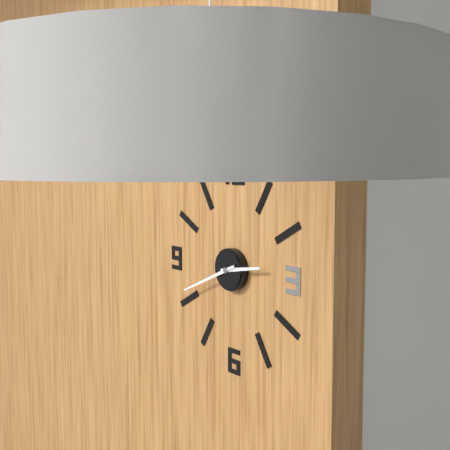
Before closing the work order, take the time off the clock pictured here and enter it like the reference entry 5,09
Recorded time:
2,41
